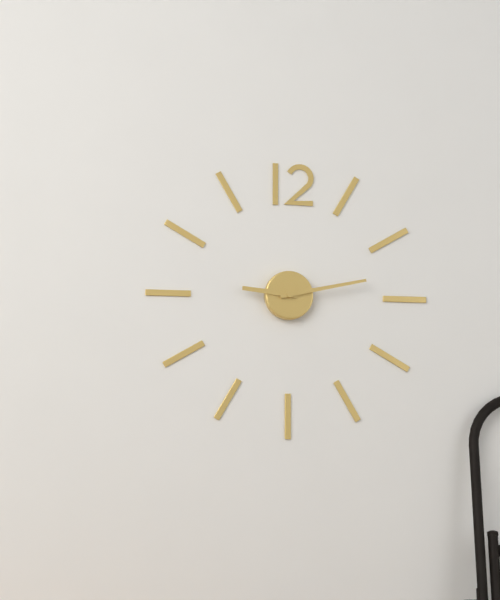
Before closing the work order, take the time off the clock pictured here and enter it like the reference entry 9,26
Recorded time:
9,13
